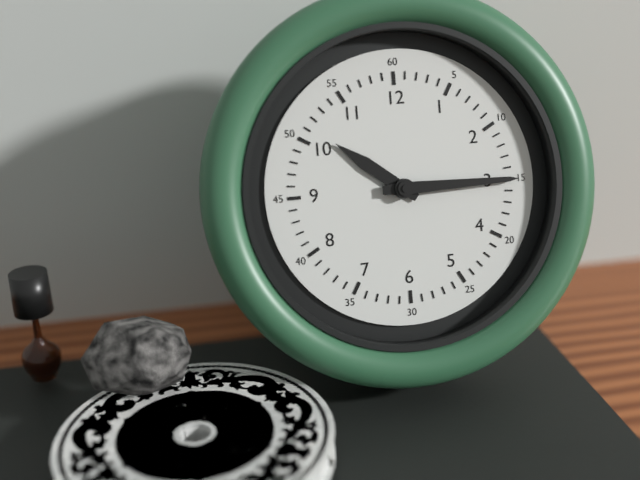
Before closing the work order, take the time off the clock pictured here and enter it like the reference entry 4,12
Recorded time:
10,15
